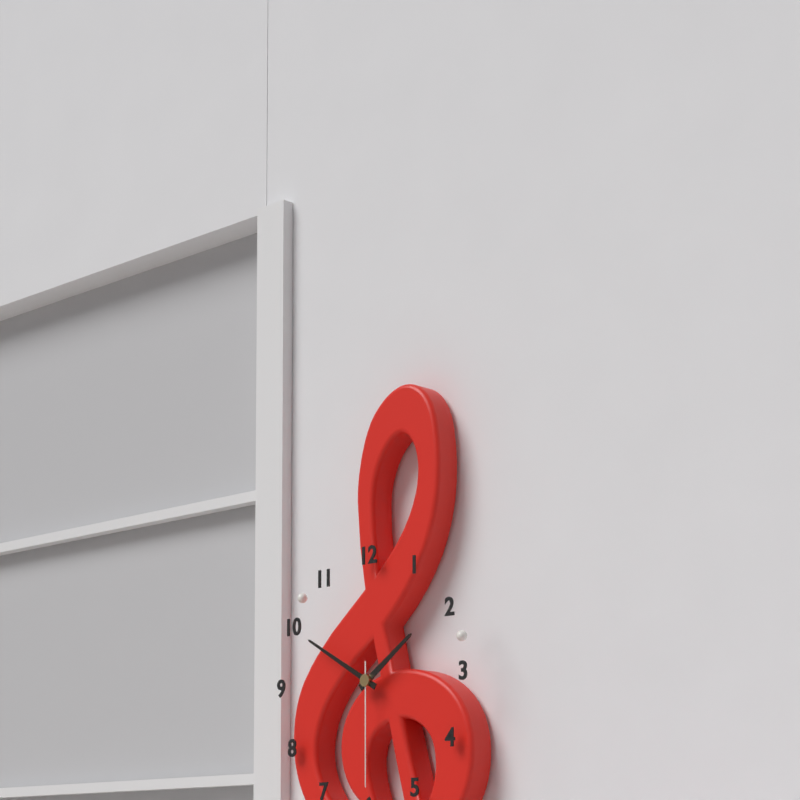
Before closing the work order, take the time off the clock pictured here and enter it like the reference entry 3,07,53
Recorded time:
1,50,30
